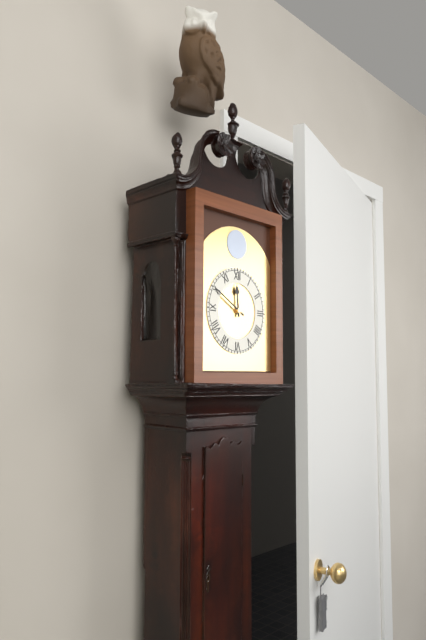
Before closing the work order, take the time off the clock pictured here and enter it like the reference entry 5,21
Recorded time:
11,50
